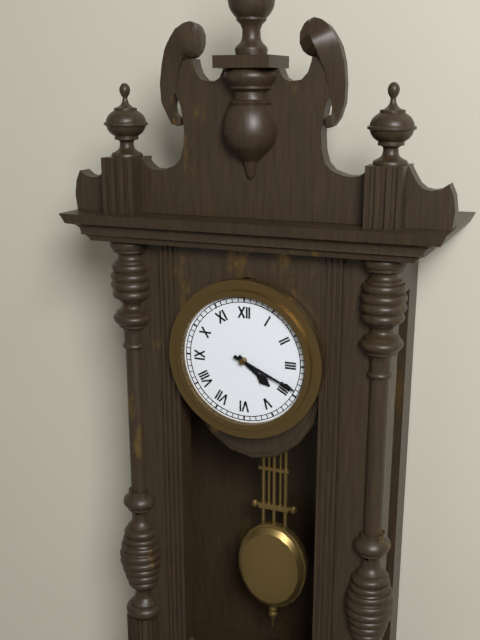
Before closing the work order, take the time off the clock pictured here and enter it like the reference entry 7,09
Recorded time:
4,19
